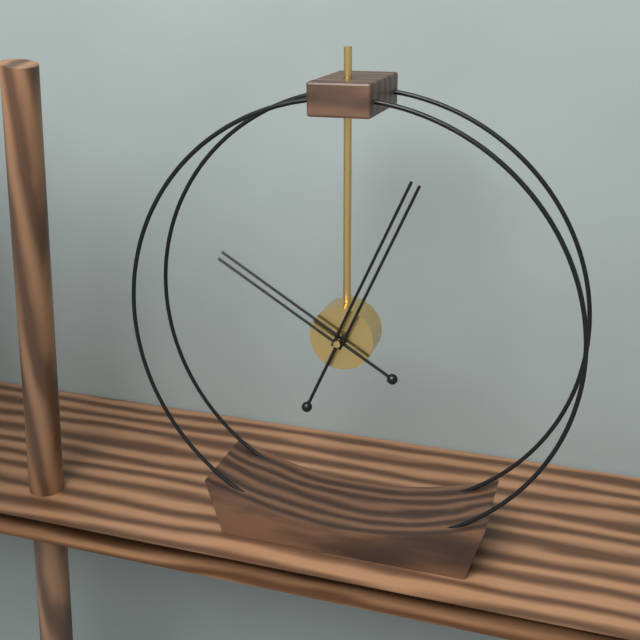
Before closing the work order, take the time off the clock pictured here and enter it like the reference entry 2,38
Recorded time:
10,04
